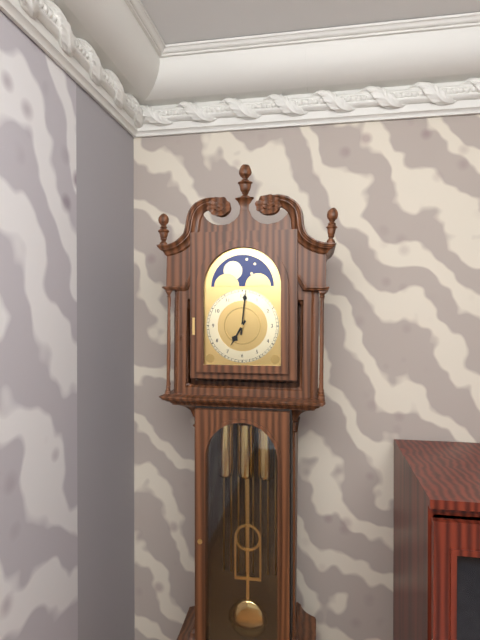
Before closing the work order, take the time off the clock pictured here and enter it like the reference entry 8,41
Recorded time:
7,01
